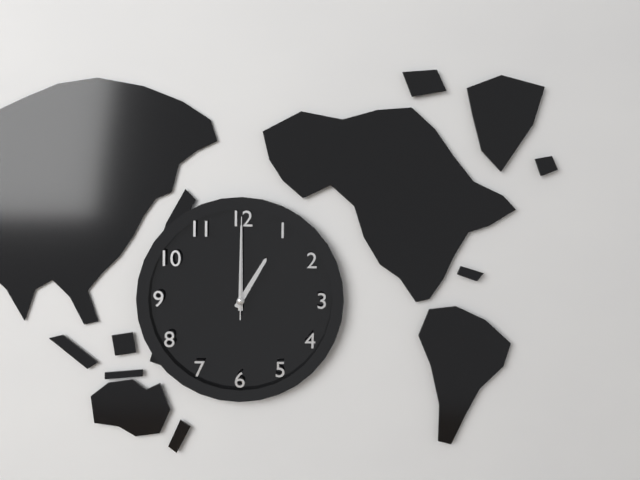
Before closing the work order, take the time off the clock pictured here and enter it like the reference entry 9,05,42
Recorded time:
1,00,00
